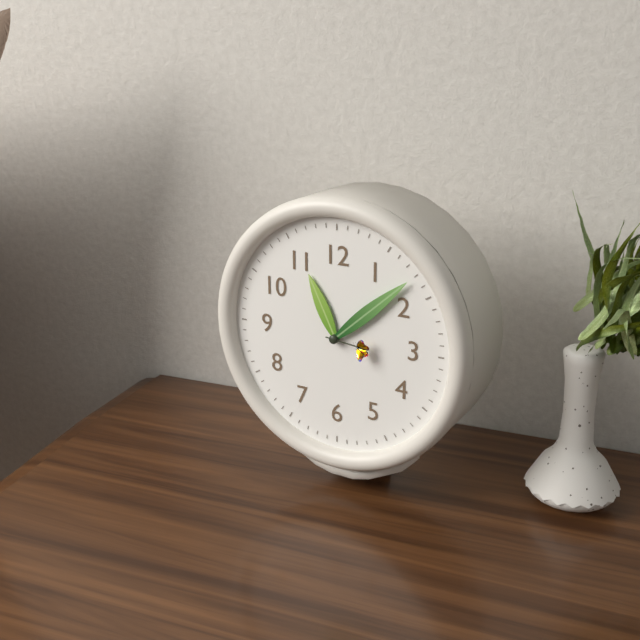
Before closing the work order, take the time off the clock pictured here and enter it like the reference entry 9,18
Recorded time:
11,08
